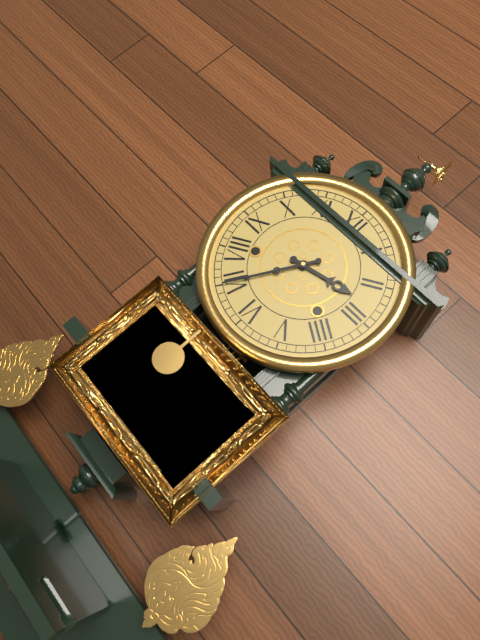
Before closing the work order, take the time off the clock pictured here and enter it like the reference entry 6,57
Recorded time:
2,35
